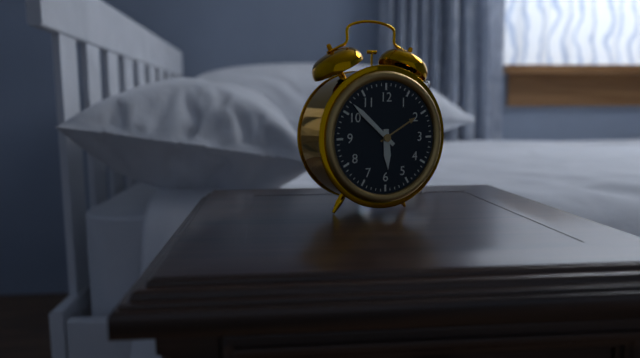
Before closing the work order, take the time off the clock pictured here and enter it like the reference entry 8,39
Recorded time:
5,52
